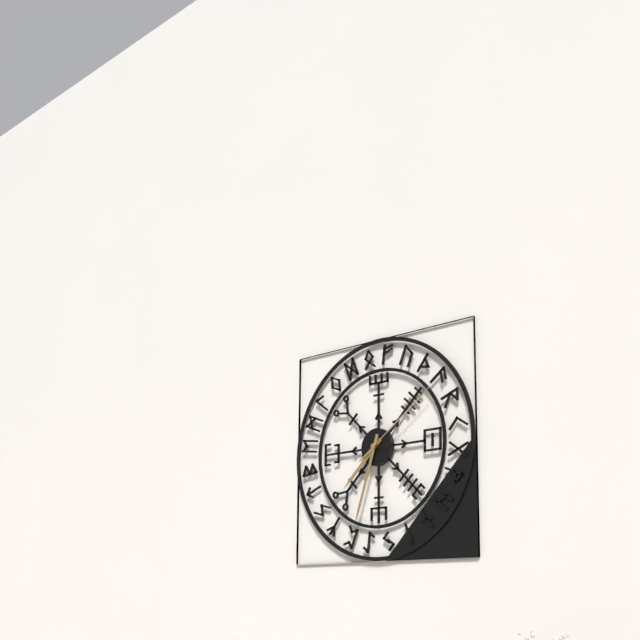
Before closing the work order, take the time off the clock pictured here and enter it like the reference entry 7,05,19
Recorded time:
7,33,09
